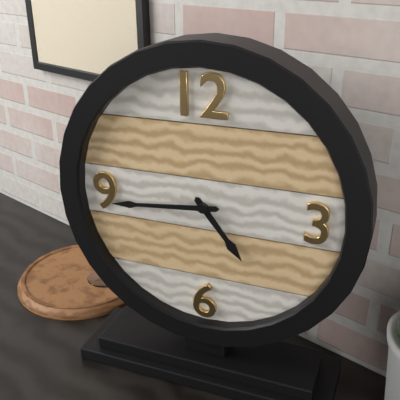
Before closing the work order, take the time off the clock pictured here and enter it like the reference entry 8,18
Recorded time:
4,44
